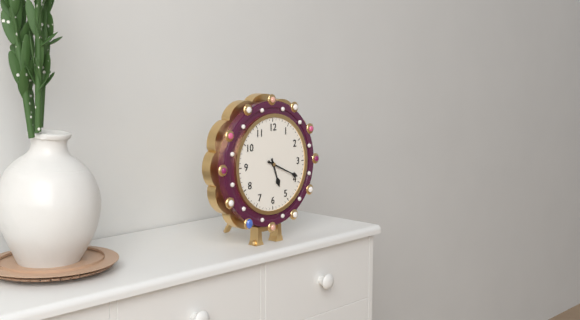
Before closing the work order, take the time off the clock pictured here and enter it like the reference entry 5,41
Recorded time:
5,19
